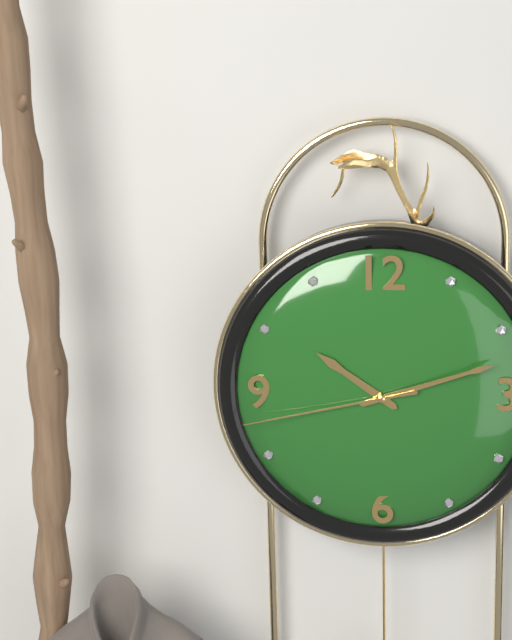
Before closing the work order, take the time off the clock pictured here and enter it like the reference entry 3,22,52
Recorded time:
10,12,43
